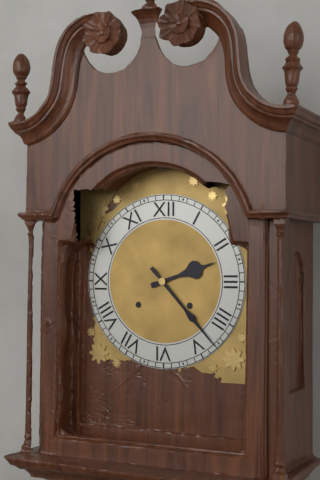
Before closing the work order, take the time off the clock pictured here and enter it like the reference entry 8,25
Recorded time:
2,23
